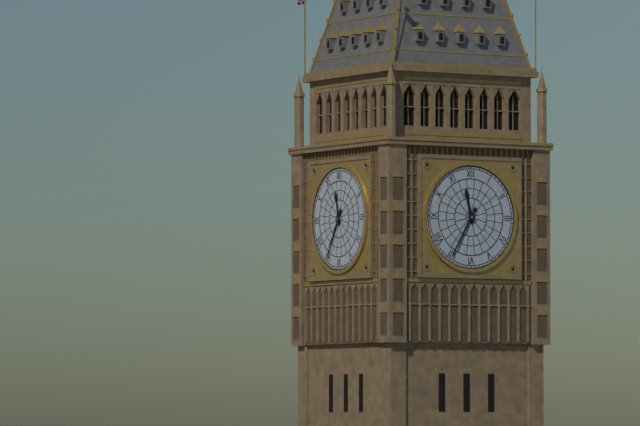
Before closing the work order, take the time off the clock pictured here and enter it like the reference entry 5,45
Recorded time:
11,35
